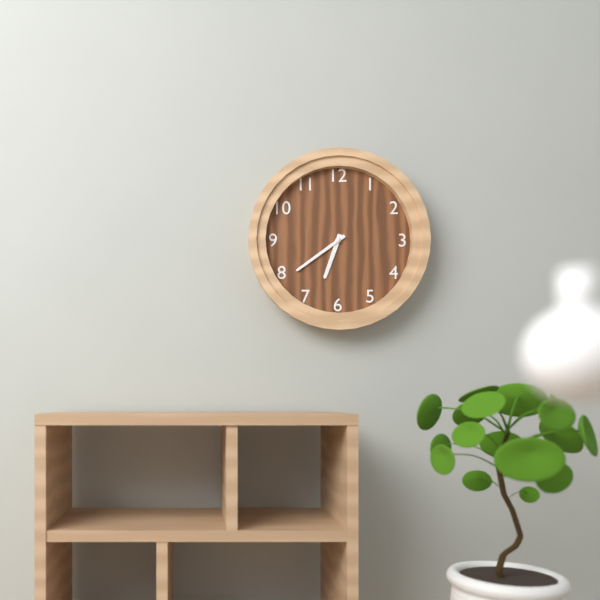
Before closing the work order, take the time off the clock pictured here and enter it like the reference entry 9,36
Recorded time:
6,39
